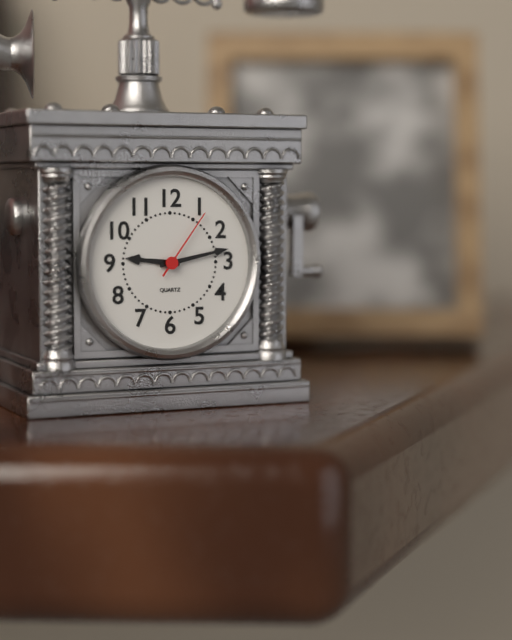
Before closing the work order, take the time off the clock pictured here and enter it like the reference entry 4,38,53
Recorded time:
9,13,06
